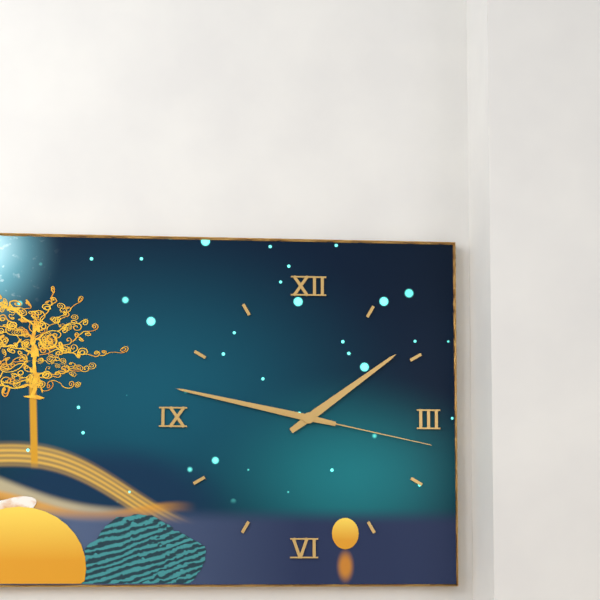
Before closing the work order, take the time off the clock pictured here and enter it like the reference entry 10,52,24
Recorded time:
1,47,17
